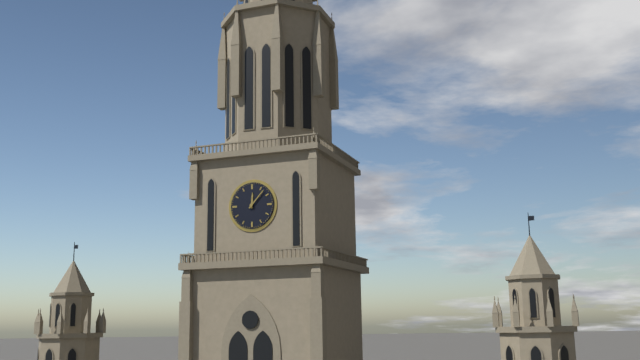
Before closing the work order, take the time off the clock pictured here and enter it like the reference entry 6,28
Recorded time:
12,07
